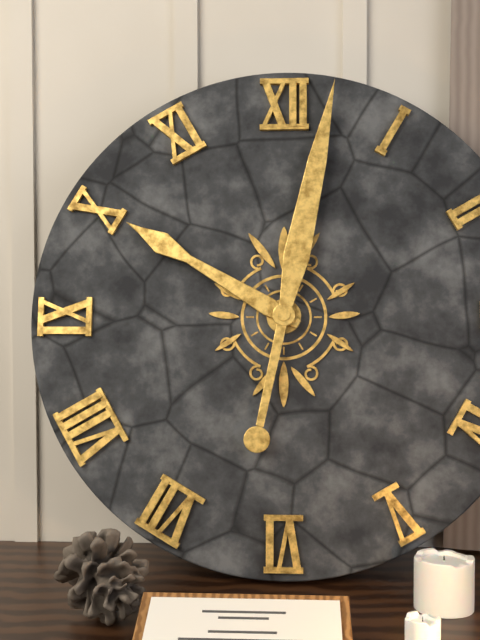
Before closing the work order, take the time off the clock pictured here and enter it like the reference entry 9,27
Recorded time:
10,02
